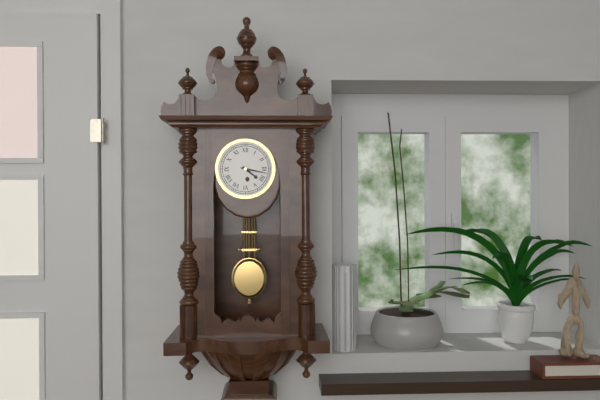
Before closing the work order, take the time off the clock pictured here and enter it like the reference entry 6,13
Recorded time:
4,17
